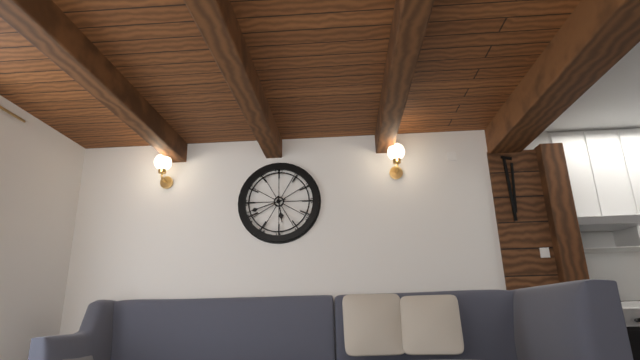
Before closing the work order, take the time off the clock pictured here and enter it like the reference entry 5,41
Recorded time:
5,42
